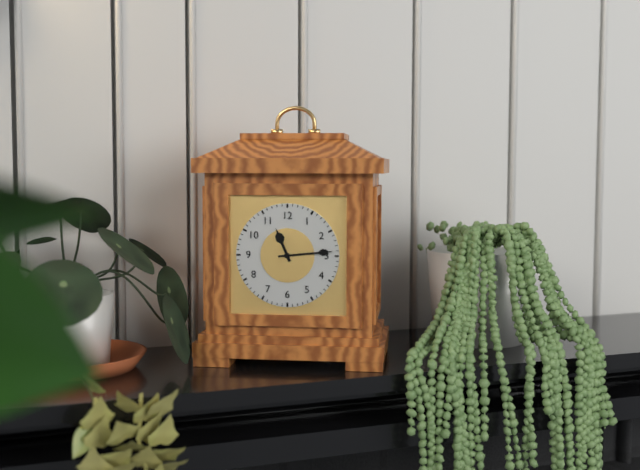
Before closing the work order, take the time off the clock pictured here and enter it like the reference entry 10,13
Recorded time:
11,14
